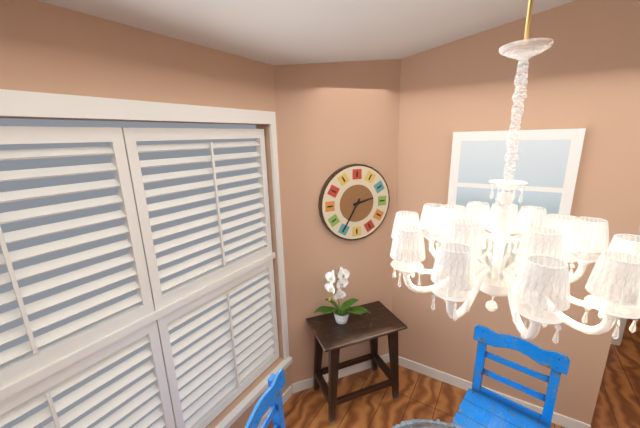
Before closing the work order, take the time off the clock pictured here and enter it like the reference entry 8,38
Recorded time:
2,35
